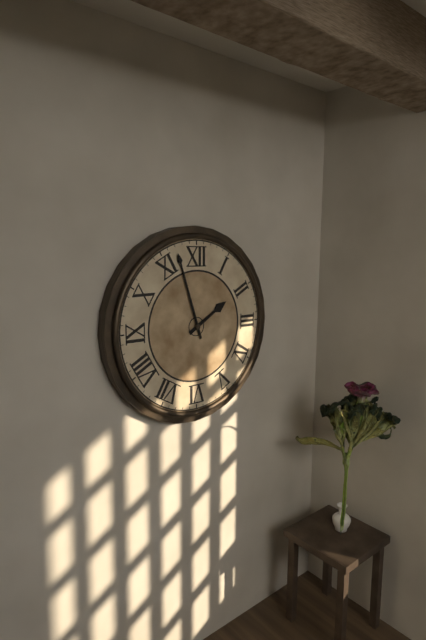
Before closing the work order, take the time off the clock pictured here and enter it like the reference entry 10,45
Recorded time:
1,57
